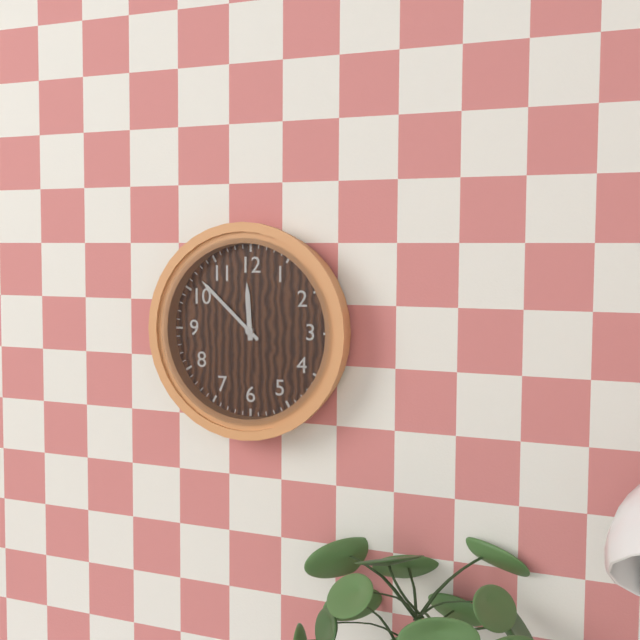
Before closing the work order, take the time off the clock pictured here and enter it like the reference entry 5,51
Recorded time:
11,52
